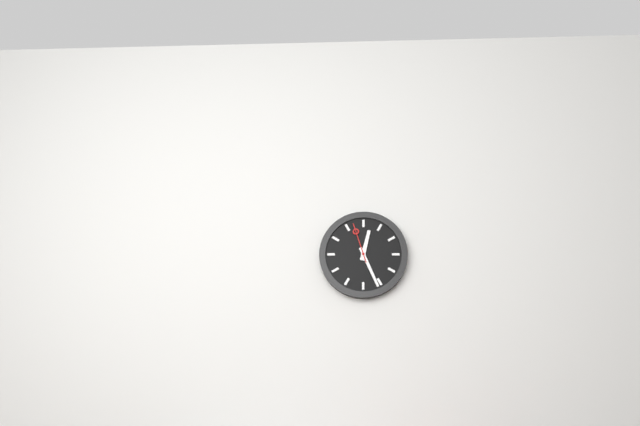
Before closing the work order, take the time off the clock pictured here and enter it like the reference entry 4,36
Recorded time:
12,26
